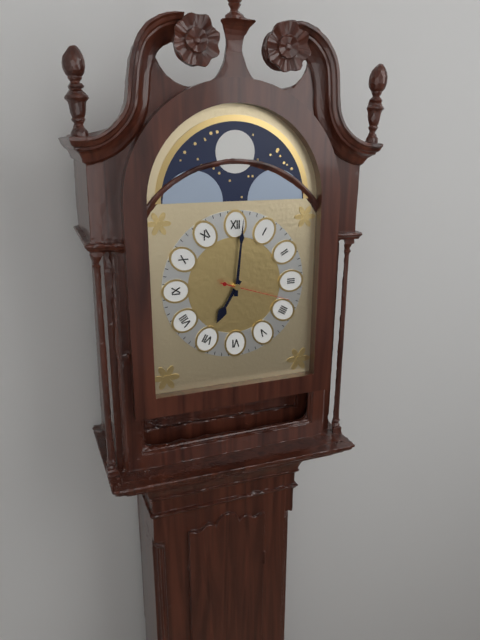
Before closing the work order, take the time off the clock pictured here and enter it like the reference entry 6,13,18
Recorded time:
7,01,18
